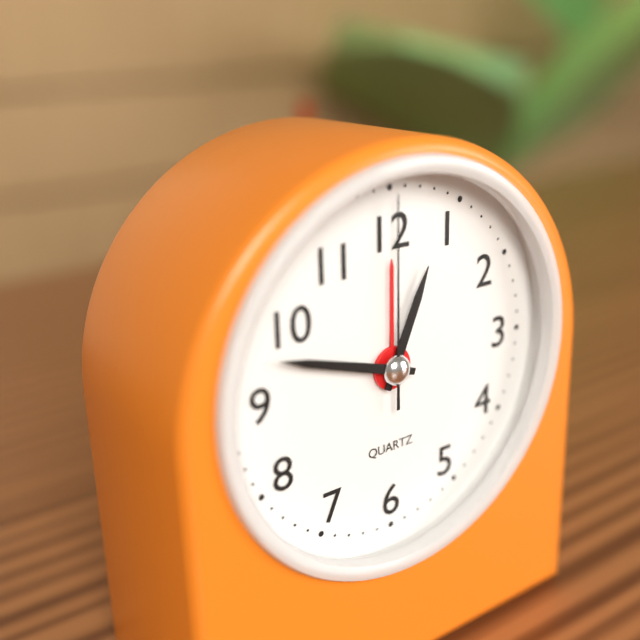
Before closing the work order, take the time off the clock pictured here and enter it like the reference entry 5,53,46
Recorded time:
12,48,00
